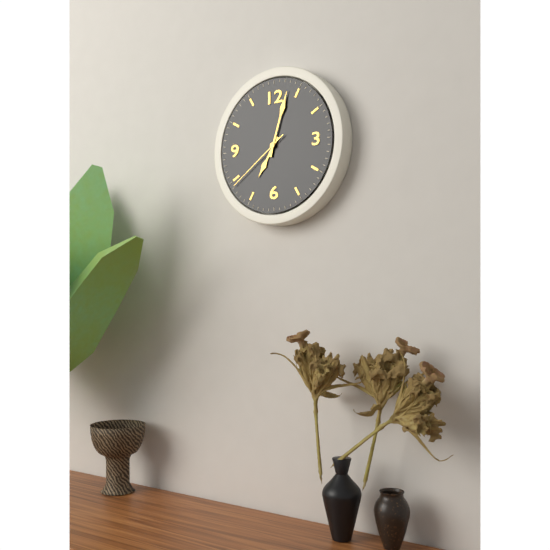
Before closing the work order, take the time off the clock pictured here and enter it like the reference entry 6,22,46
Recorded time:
7,03,39
